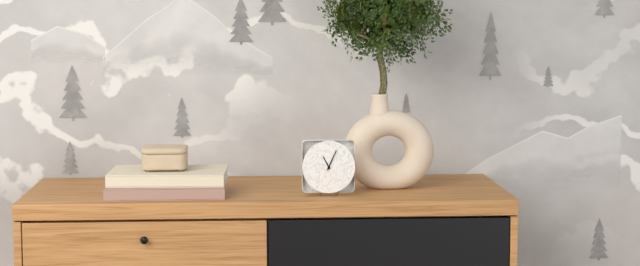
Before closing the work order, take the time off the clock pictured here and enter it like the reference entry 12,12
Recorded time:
11,04
